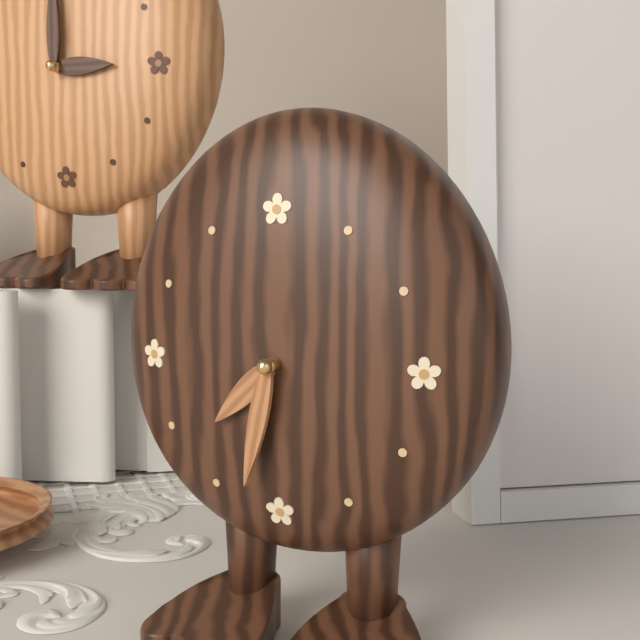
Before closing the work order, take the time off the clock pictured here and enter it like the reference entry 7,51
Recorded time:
7,32
